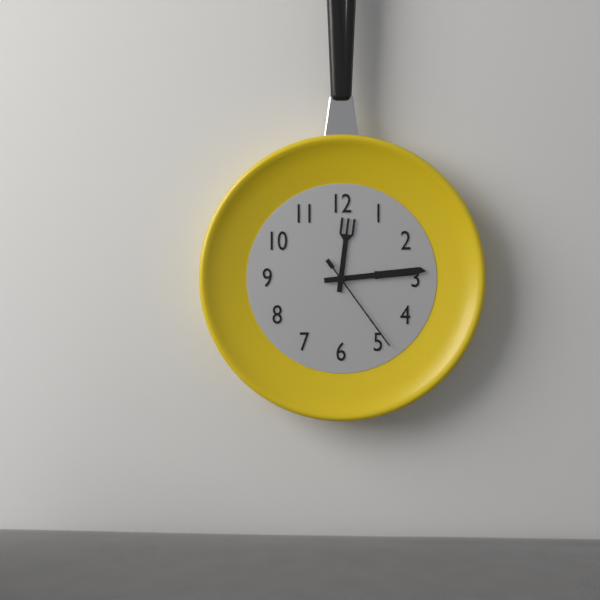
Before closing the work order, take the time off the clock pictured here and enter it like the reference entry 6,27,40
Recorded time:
12,14,24
